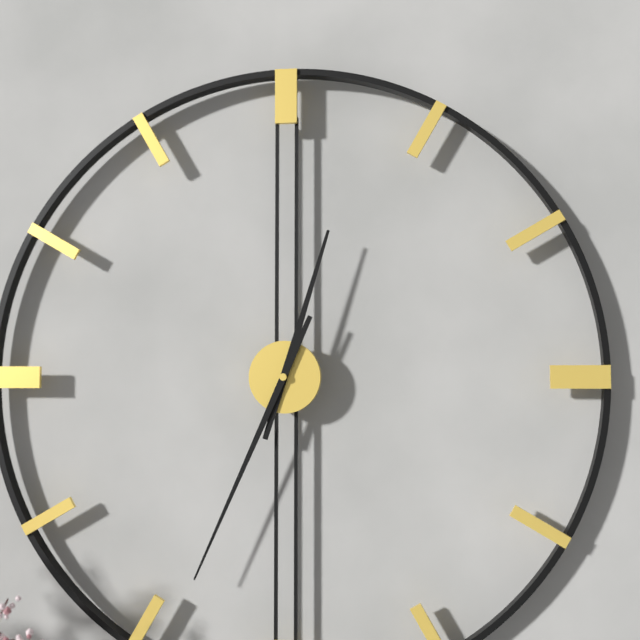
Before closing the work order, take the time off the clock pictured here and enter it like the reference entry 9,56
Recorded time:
12,34
